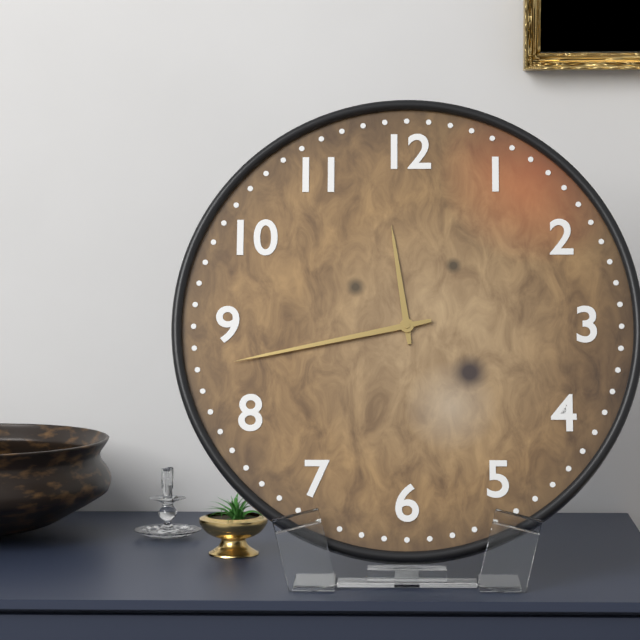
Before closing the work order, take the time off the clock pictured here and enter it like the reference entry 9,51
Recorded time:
11,43
